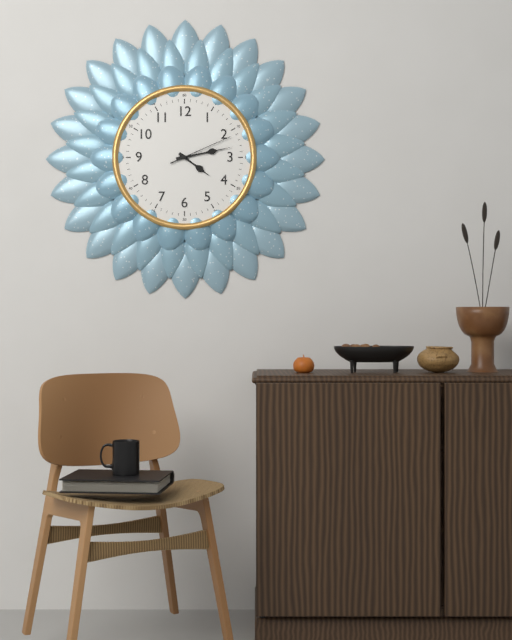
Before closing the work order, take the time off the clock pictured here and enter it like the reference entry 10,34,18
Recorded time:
4,13,11
